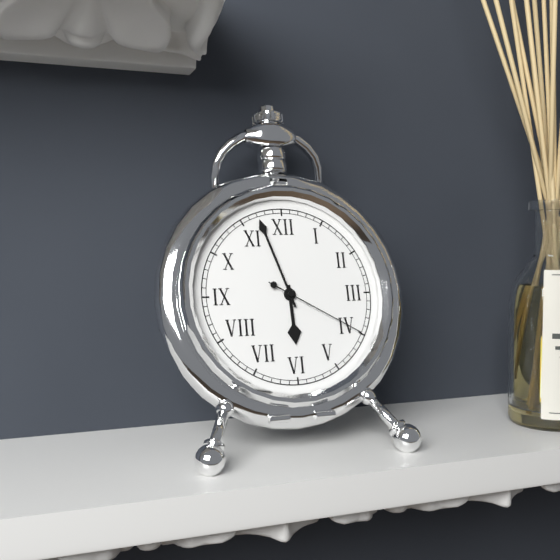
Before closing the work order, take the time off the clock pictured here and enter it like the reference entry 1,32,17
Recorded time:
5,57,20
